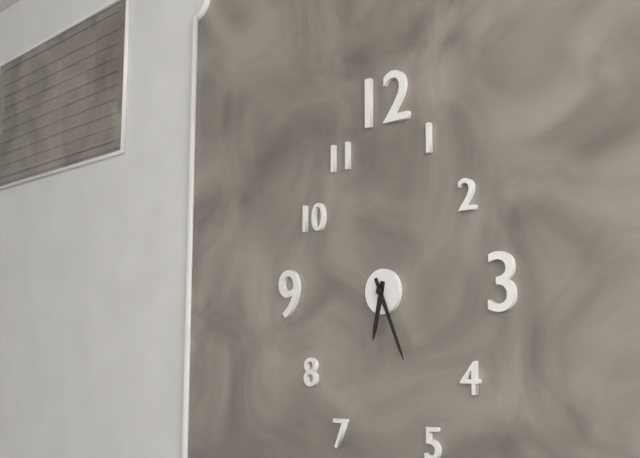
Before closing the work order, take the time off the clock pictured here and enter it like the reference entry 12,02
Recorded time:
6,26
